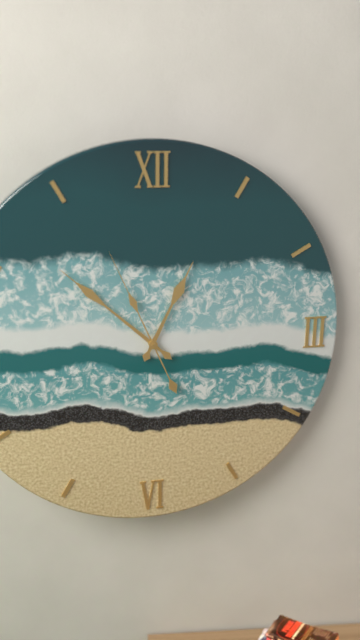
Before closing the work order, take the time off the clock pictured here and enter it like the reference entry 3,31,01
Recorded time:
12,52,56
